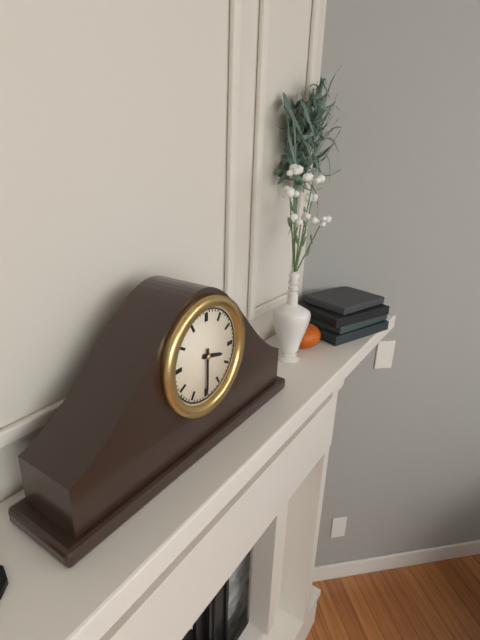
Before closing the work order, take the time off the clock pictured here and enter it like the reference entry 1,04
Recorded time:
3,30
